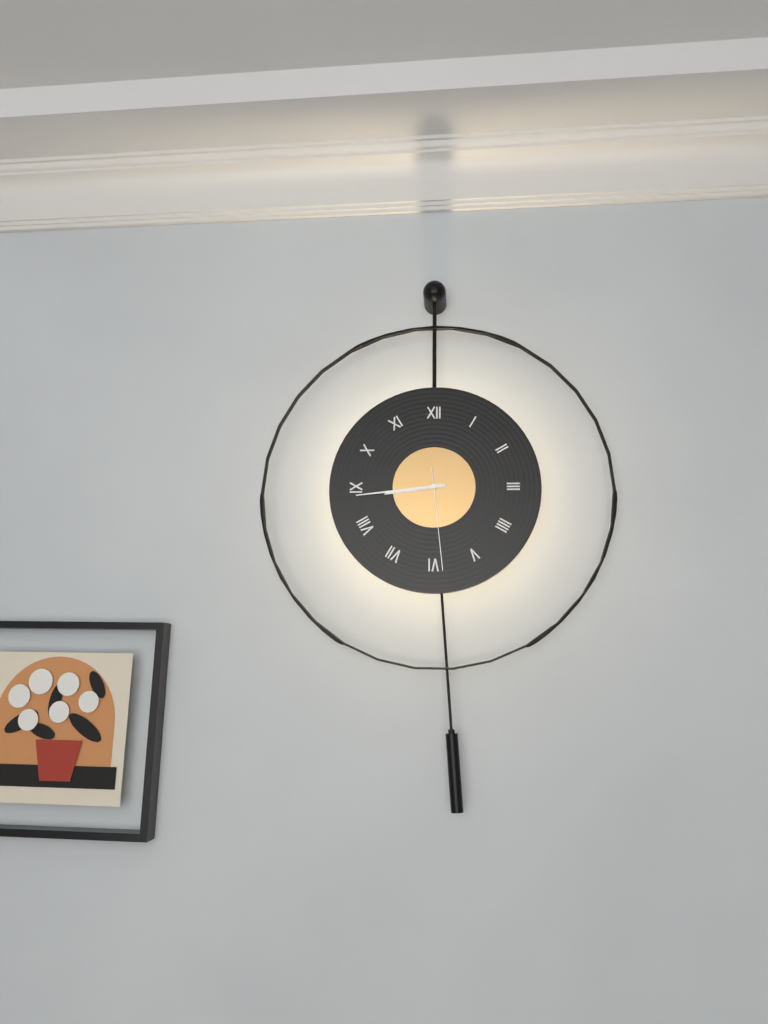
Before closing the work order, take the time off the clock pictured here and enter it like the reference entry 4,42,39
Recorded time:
8,44,29
